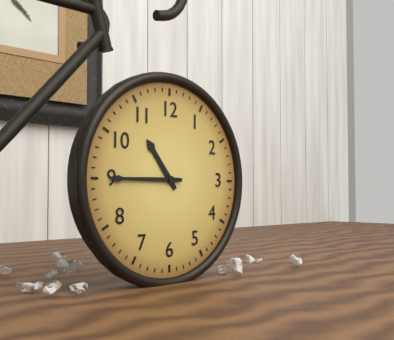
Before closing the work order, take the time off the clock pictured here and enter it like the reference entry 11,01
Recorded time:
10,45
